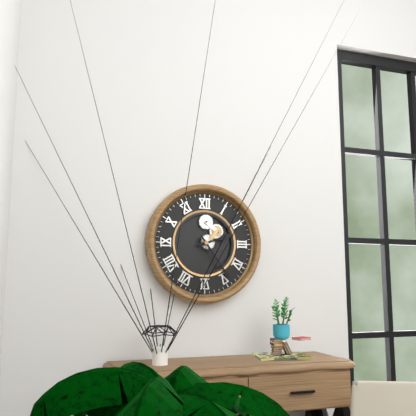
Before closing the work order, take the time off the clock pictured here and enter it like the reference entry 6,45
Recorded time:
2,24
